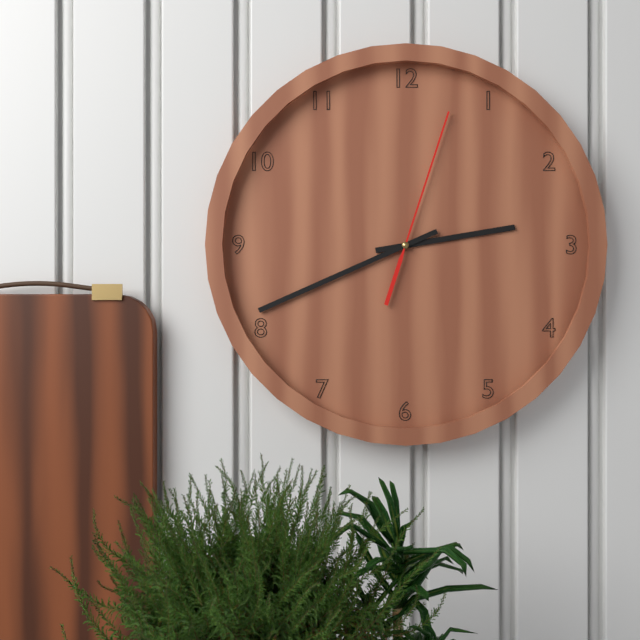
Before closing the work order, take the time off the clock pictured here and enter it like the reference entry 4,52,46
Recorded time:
2,41,03
